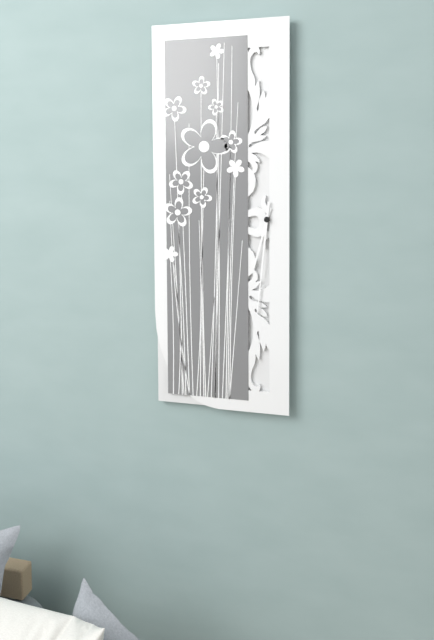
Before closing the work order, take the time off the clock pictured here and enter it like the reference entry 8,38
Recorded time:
6,31
